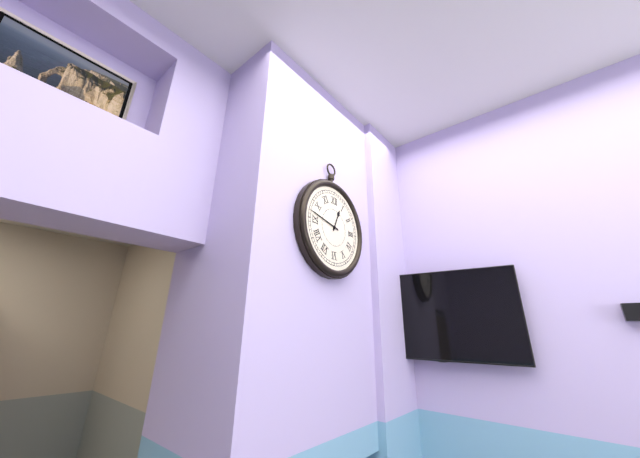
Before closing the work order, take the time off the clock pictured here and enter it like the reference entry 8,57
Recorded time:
12,47
